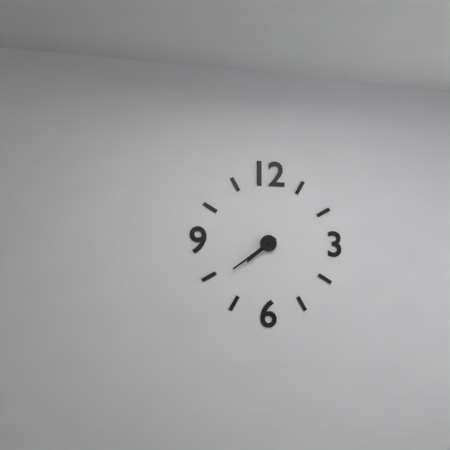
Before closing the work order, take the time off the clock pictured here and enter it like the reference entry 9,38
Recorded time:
7,39
